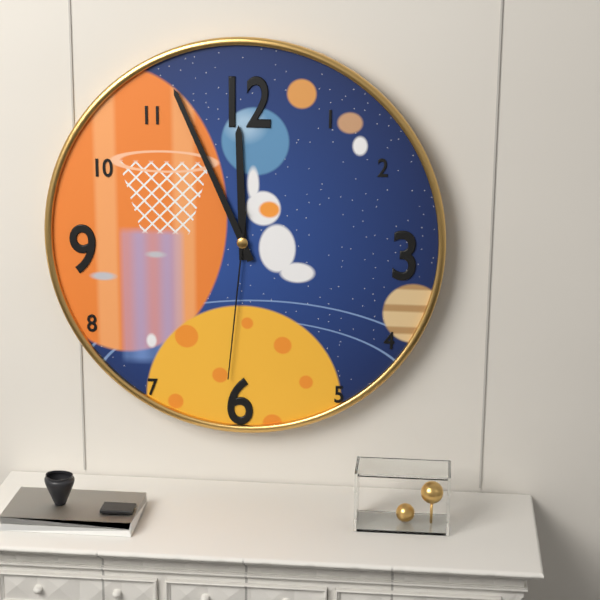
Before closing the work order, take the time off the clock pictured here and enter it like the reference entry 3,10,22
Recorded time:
11,56,31
